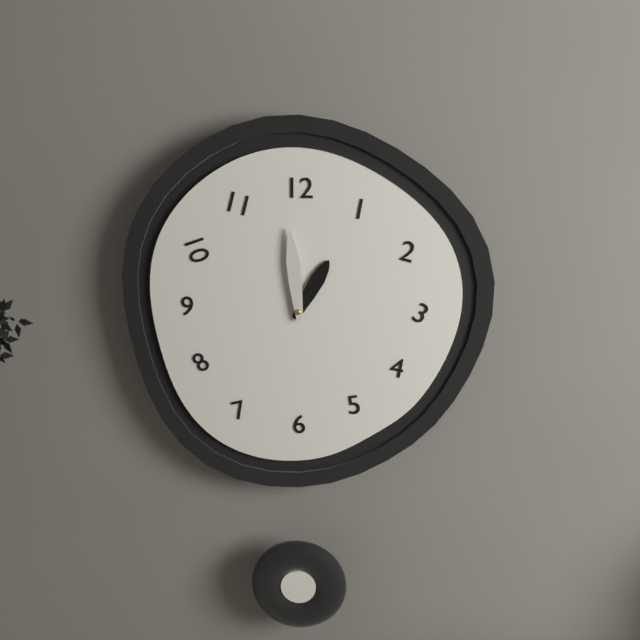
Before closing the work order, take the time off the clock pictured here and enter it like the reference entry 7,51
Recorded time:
12,59
